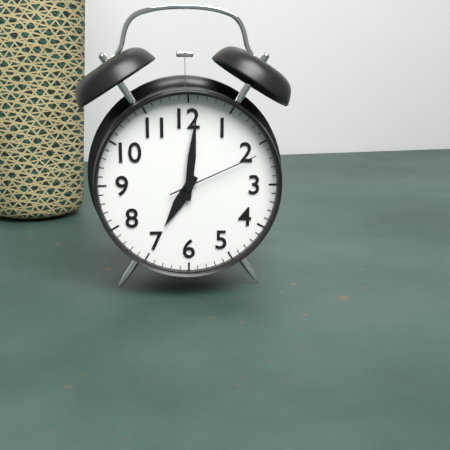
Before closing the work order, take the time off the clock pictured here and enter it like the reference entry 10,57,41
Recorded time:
7,01,11
